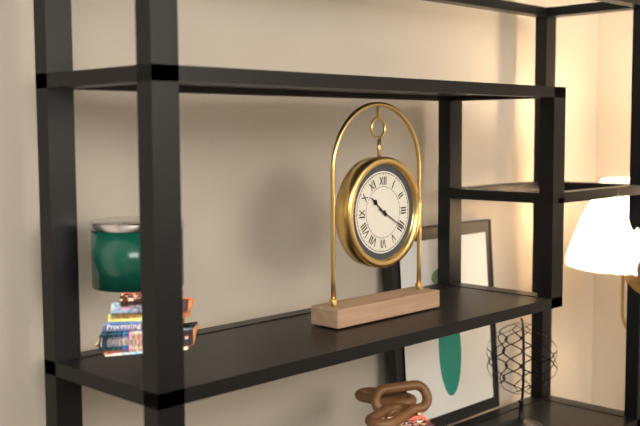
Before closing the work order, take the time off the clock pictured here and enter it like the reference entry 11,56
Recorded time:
10,20
